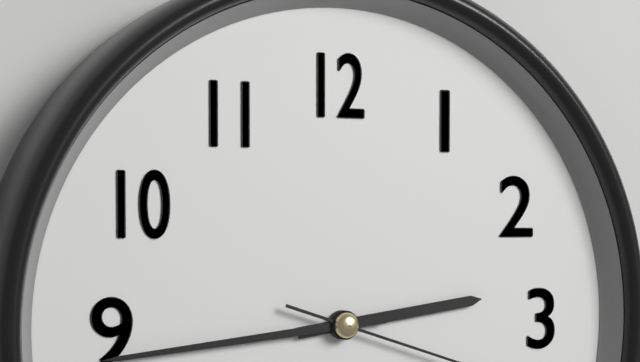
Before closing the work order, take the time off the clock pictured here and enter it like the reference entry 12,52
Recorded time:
2,44
